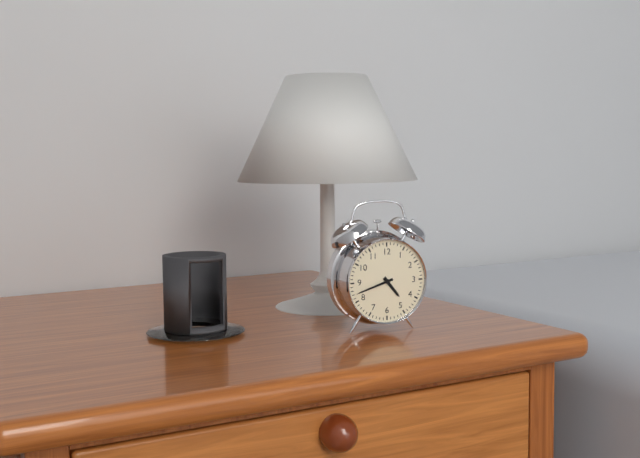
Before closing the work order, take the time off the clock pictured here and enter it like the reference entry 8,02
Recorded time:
4,42
